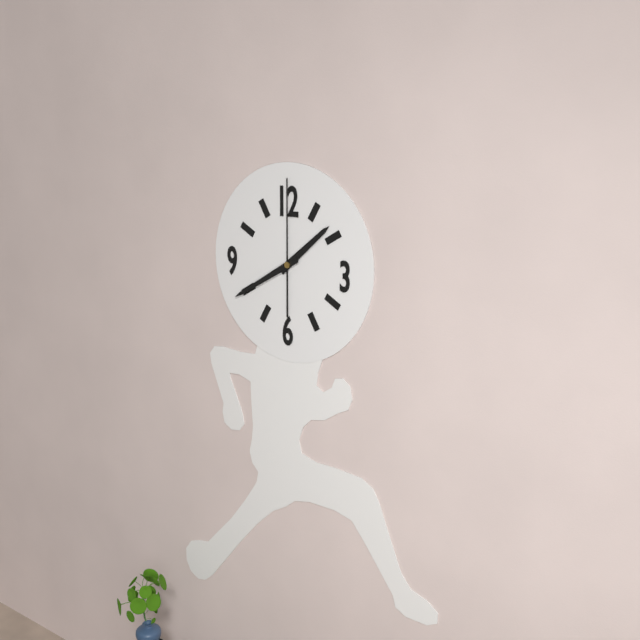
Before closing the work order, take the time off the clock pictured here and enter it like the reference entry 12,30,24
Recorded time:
1,40,00
